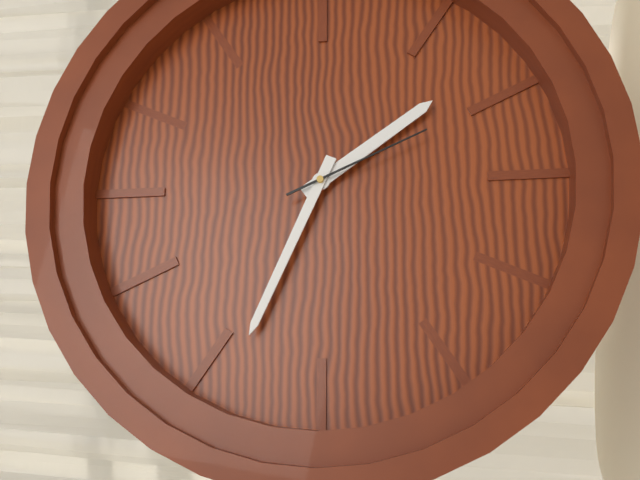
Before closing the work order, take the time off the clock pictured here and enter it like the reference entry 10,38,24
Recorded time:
4,49,26
